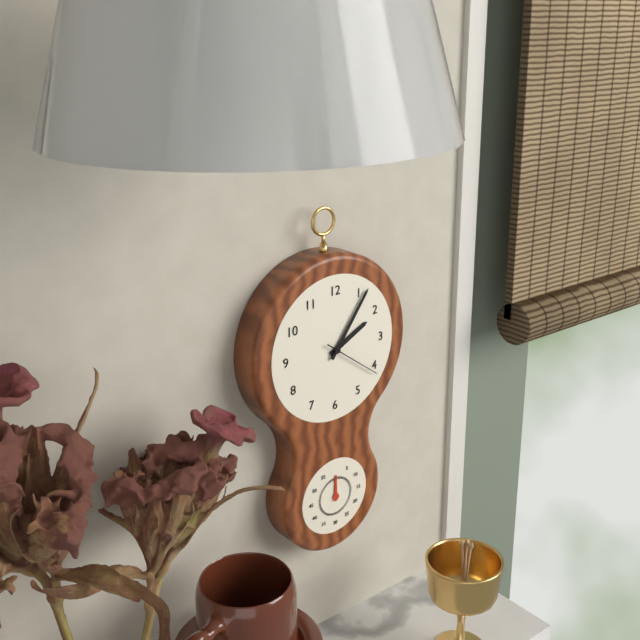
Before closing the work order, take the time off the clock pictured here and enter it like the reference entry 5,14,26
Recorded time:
2,06,21
